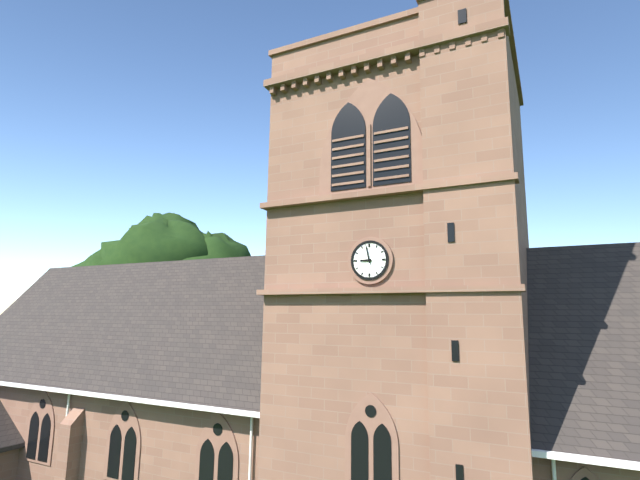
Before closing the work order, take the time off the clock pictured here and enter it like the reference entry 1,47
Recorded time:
8,58
